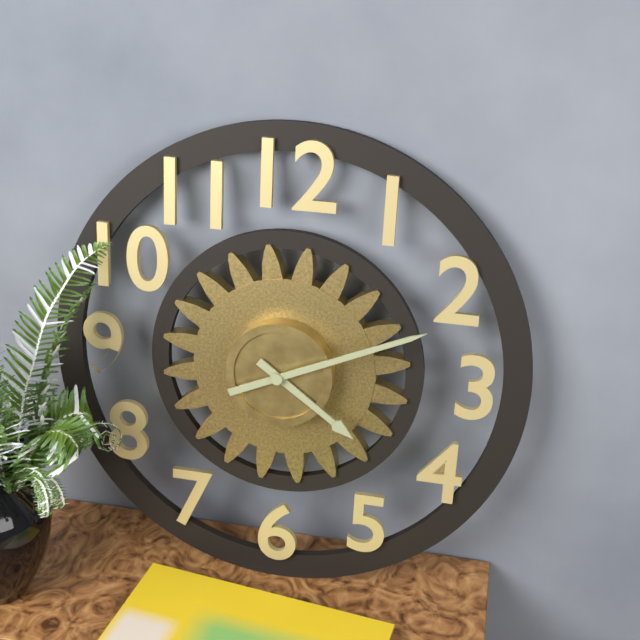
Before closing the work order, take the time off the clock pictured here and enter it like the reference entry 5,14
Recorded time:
4,11
